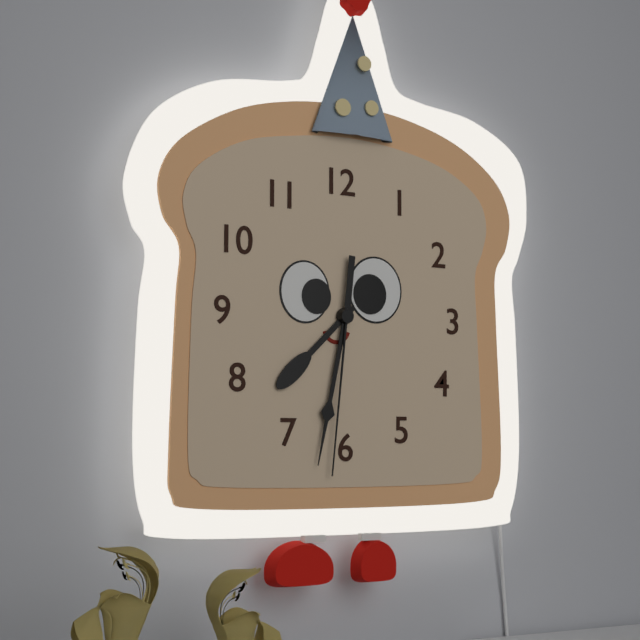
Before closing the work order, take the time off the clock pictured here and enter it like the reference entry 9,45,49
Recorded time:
7,32,31
